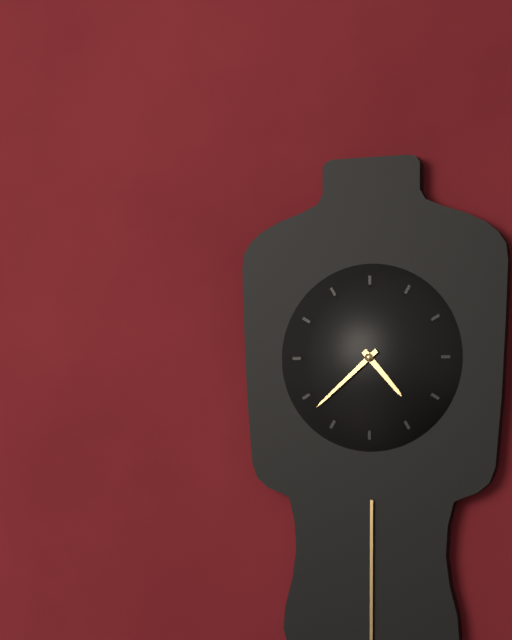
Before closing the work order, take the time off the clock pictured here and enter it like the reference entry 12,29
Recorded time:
4,38
